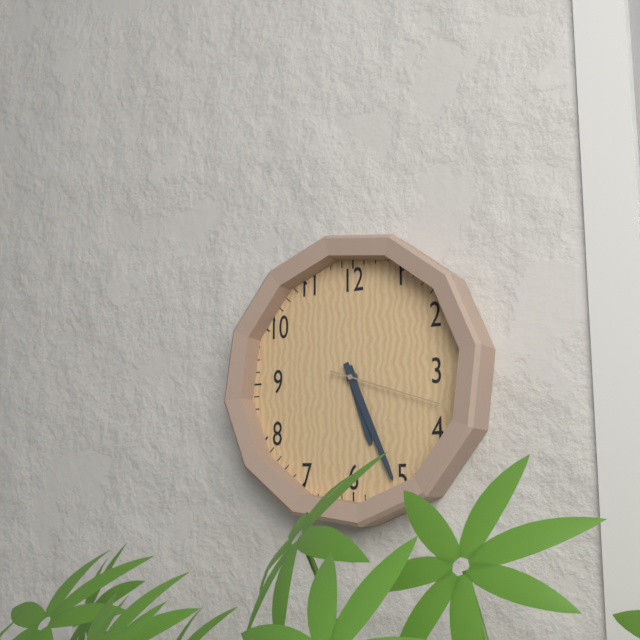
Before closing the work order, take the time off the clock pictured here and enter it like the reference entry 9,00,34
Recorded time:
5,26,18
